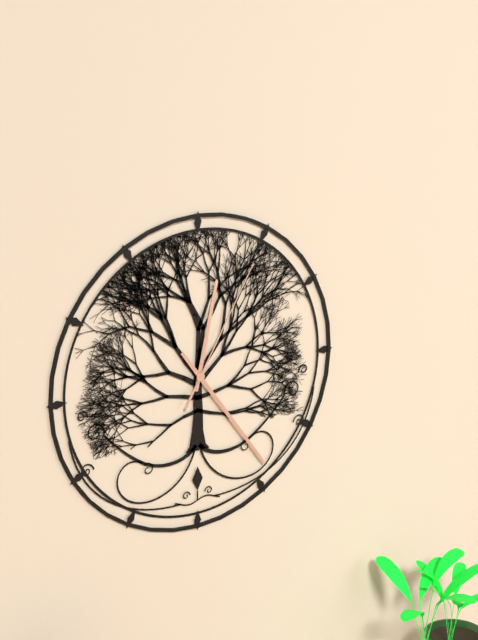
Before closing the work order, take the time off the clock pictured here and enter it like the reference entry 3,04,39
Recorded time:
12,24,05
